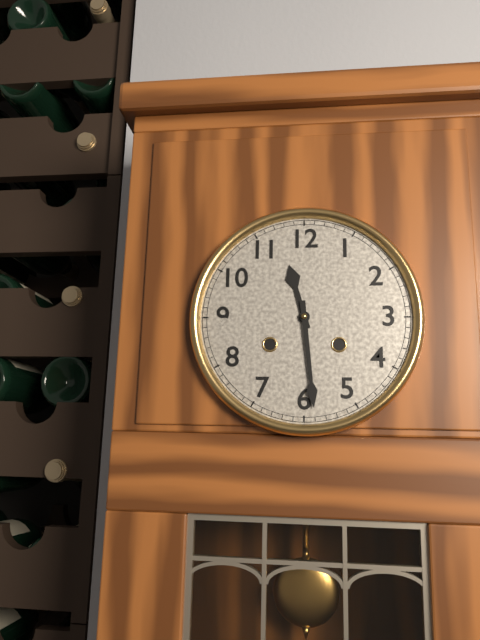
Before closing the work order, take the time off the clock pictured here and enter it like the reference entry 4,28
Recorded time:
11,29
